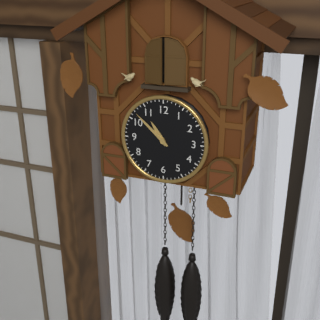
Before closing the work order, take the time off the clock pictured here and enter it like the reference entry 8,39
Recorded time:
10,52
